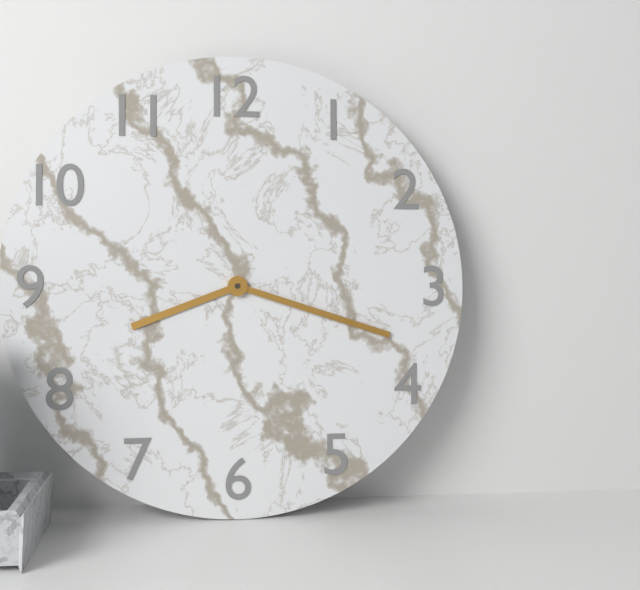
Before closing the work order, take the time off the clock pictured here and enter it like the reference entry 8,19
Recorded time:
8,18
